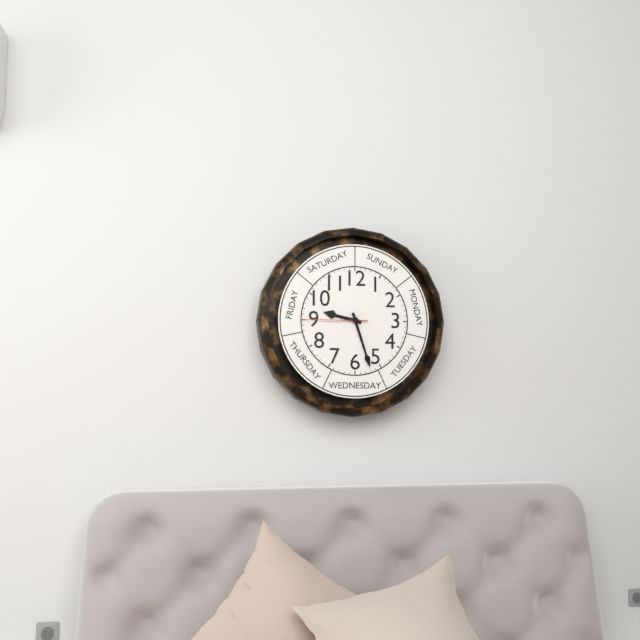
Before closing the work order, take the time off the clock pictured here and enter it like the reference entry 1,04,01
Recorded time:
9,27,45
